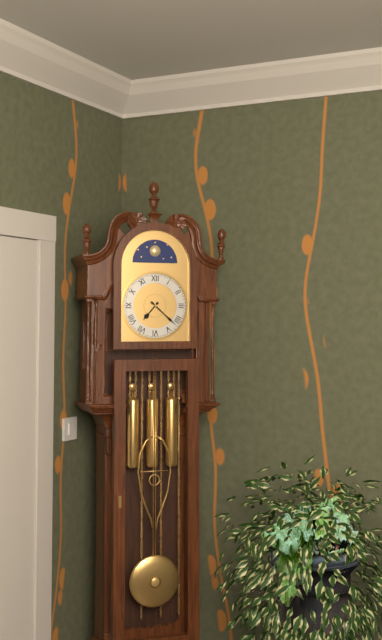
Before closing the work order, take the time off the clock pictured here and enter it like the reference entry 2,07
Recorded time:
7,22
